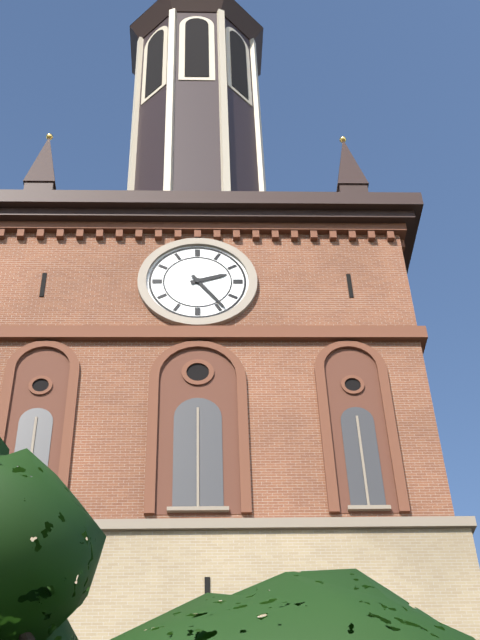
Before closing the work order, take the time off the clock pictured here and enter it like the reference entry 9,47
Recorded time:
2,24
